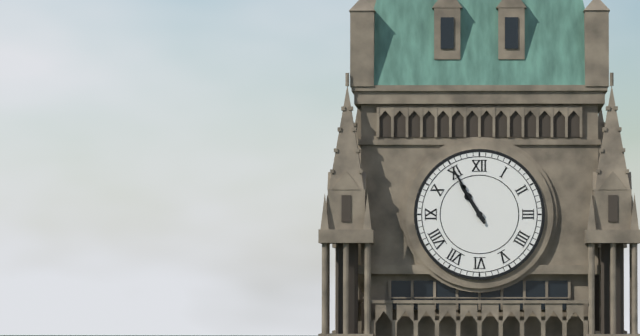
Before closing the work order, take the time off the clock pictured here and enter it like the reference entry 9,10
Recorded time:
10,55
